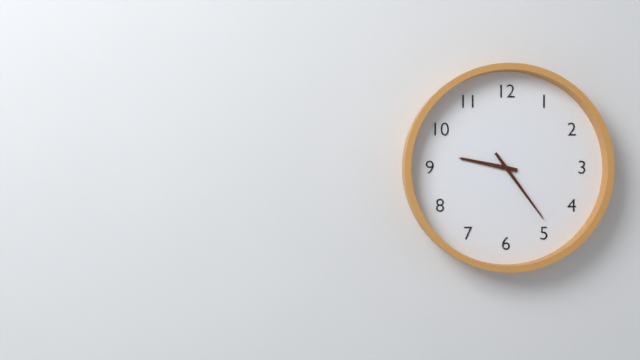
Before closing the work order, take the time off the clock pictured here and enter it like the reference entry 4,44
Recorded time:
9,24
